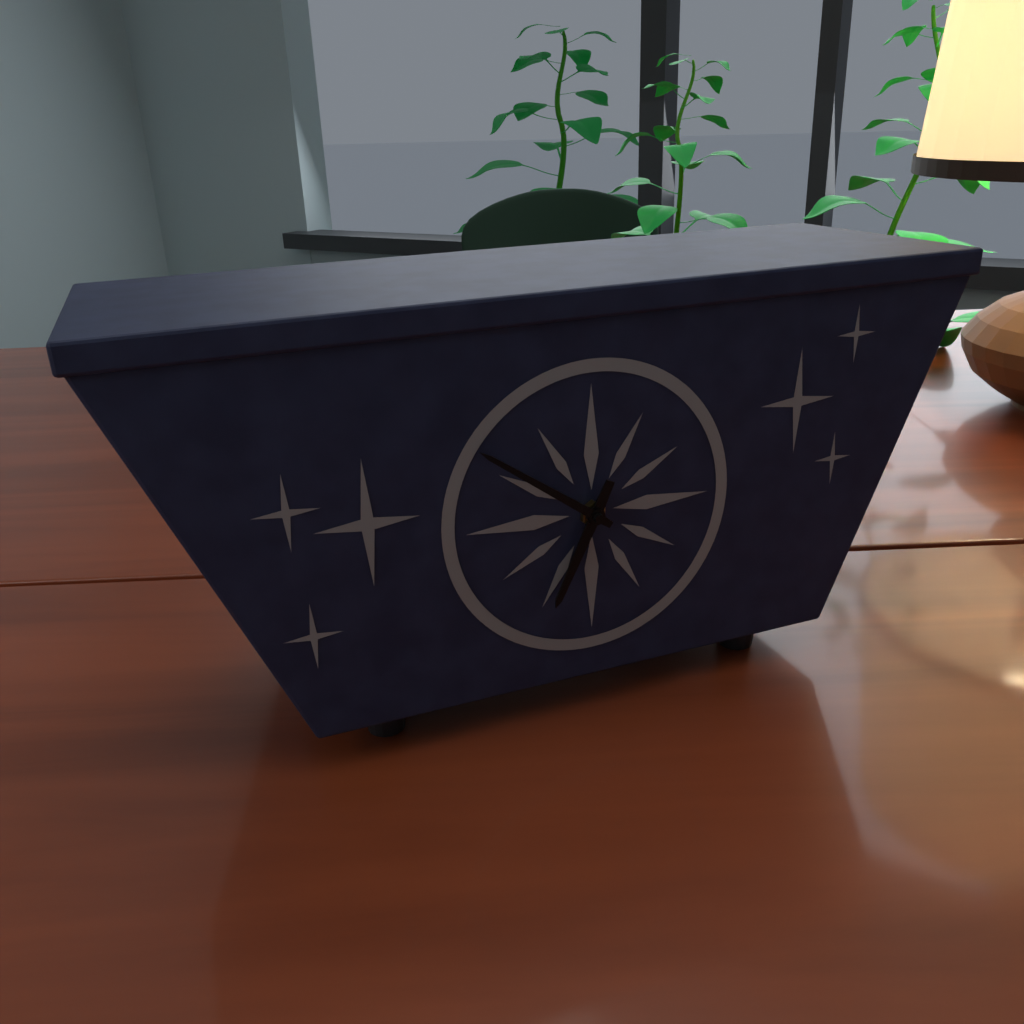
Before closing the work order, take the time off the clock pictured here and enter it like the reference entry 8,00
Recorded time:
6,51
